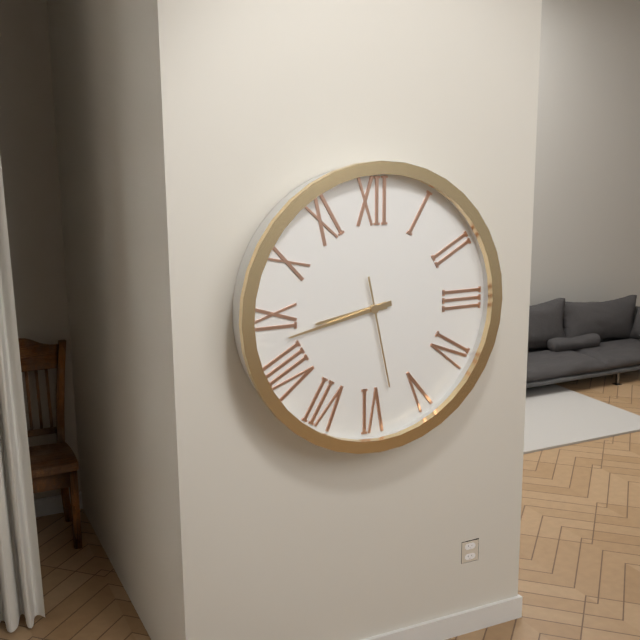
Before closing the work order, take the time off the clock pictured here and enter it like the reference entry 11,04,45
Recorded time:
8,43,28
